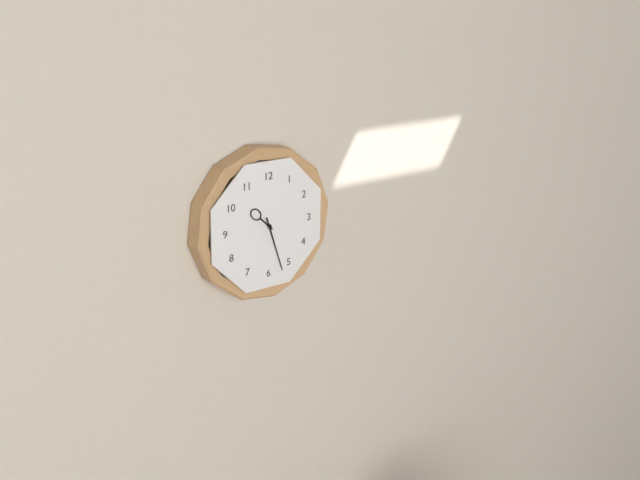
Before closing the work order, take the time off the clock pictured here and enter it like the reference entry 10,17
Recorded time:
10,27
